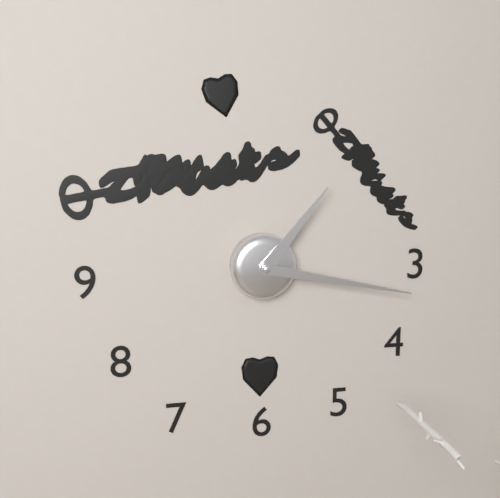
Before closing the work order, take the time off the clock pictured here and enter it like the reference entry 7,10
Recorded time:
1,17
